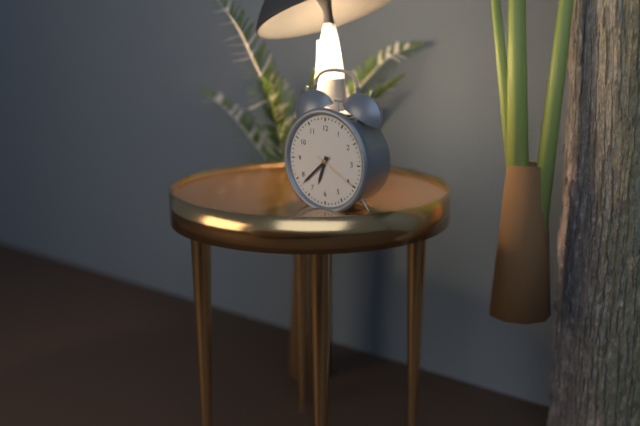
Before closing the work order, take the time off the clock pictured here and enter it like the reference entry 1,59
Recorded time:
6,38
